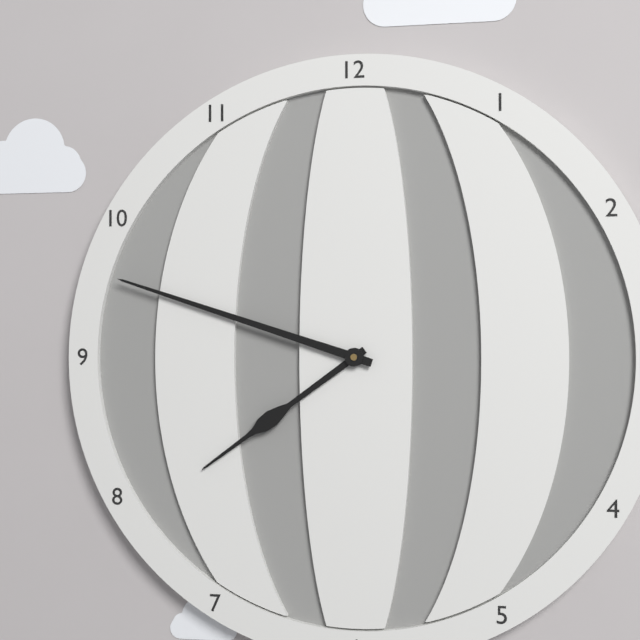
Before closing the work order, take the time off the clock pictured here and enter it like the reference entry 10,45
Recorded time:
7,48
